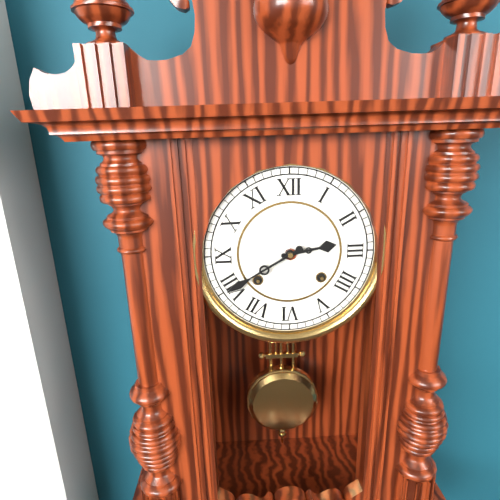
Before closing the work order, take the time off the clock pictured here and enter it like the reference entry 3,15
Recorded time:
2,40
